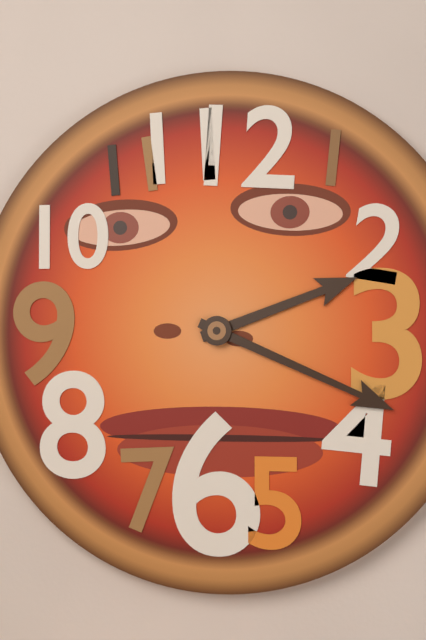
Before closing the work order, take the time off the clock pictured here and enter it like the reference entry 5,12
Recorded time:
2,19
